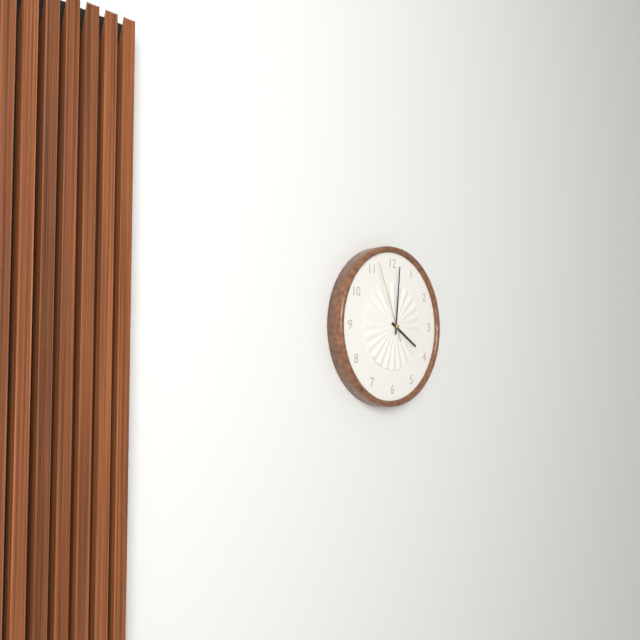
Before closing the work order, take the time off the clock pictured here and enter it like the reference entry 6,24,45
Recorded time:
4,01,56
